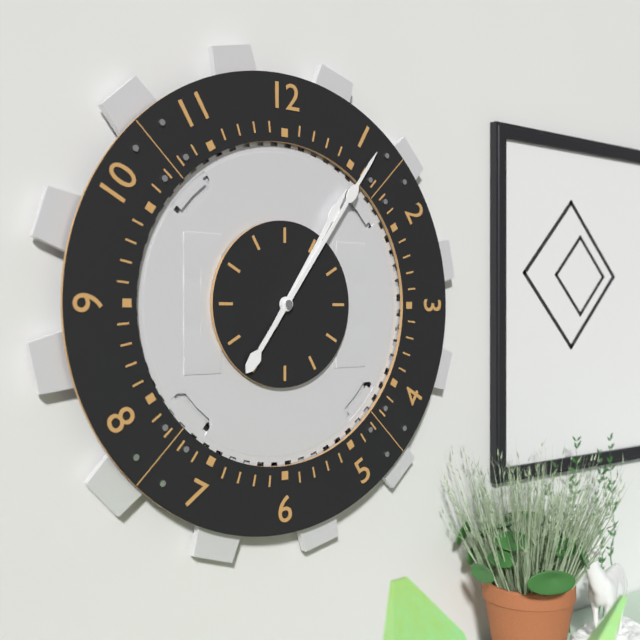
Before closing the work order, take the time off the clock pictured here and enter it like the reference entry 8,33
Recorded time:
1,06
